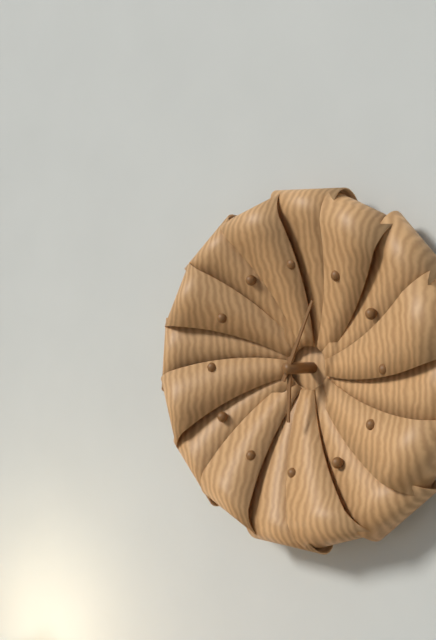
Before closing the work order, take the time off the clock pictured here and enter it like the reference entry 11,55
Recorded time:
6,04
